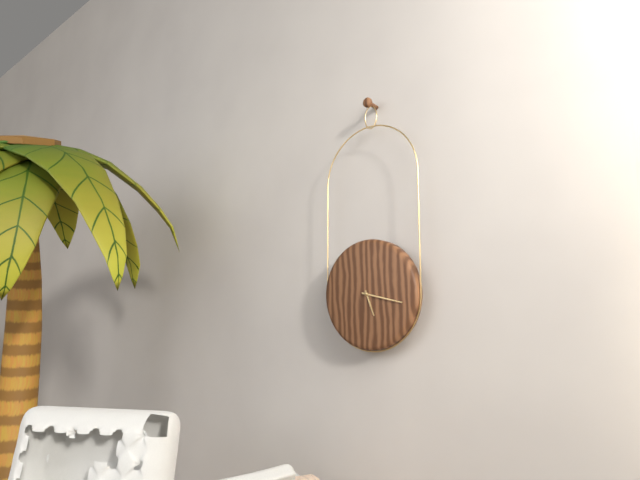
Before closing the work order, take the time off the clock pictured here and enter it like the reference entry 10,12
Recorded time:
5,17
